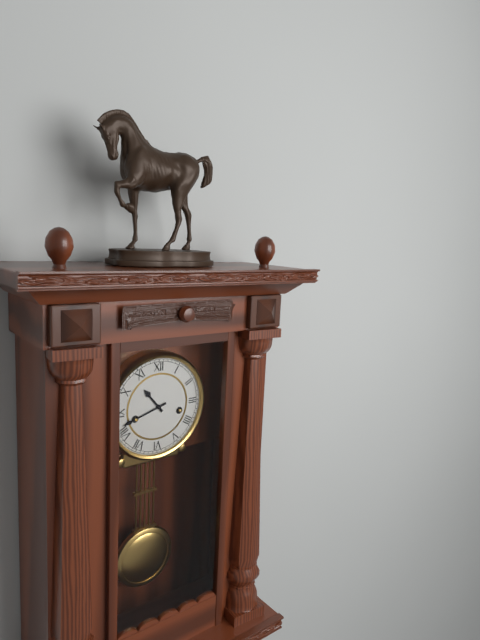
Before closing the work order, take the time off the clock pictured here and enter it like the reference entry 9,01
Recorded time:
10,42
